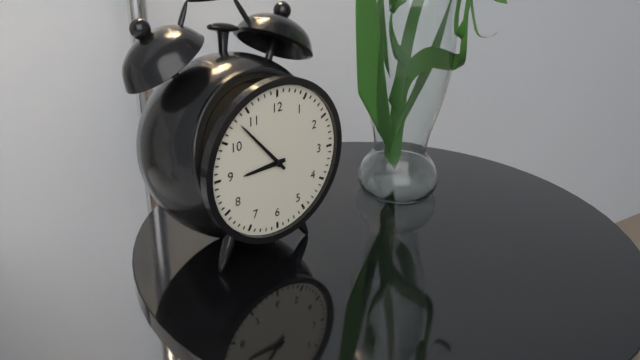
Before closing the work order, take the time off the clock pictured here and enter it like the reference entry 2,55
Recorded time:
8,53
